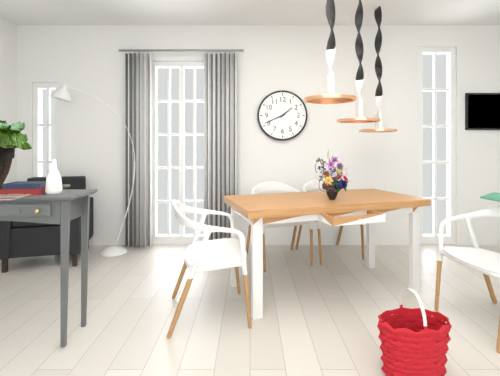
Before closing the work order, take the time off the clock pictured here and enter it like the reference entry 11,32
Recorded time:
1,41
